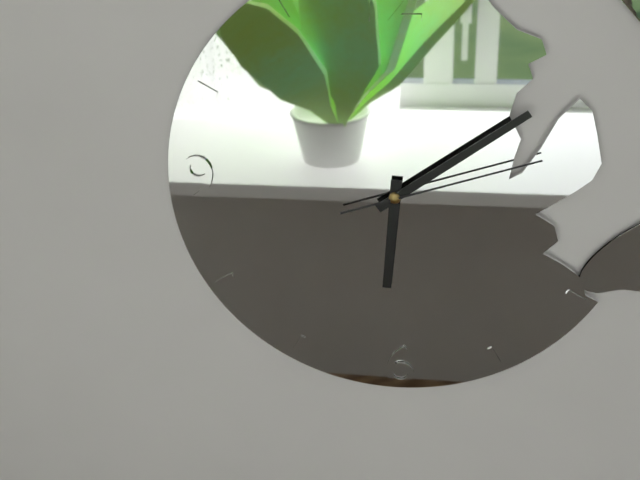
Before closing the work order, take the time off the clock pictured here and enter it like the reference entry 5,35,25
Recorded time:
6,09,12
